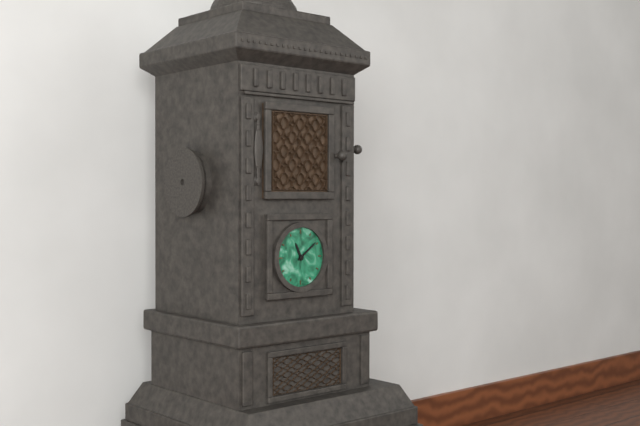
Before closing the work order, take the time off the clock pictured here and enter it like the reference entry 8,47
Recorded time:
11,09
